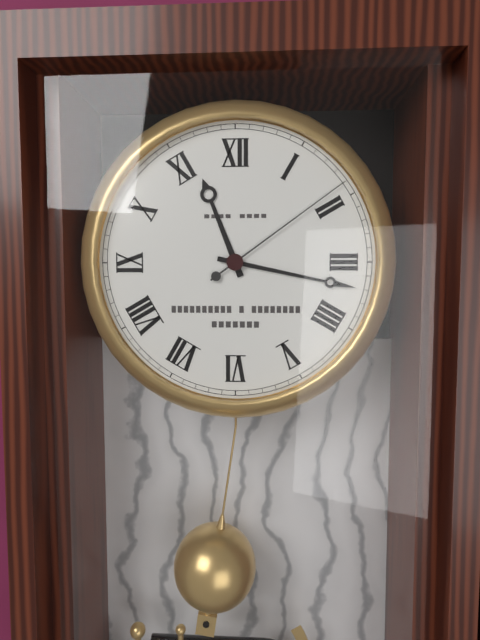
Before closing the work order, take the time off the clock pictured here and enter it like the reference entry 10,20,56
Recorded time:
11,17,09
